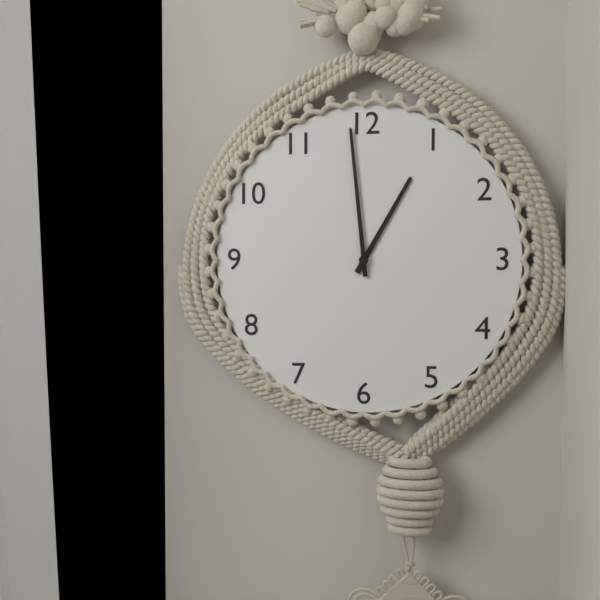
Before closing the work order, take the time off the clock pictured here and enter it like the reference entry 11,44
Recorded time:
12,59
